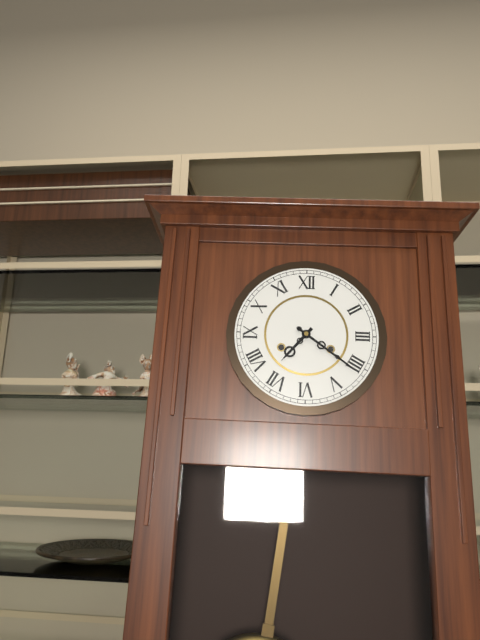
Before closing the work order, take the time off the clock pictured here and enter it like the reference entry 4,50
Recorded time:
7,21
